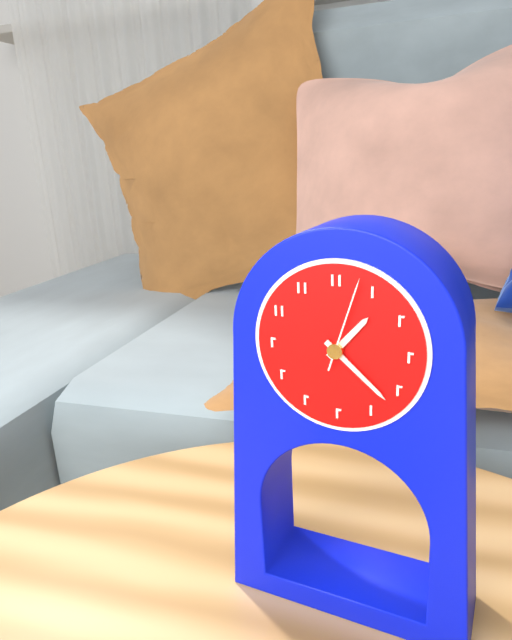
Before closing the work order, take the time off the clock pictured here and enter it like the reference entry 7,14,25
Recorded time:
1,22,03
